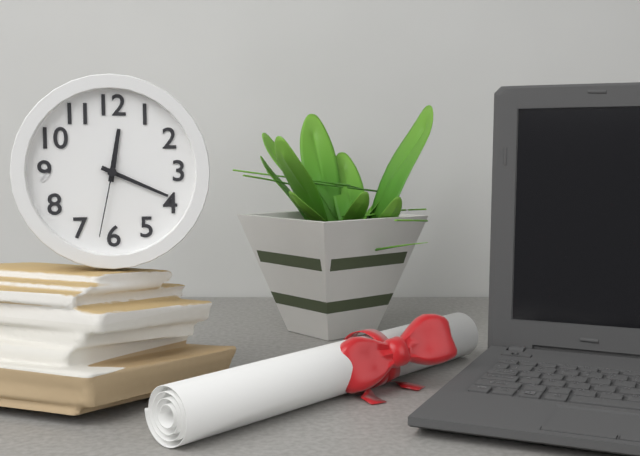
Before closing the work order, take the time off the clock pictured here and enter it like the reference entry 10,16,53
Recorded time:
12,19,32
